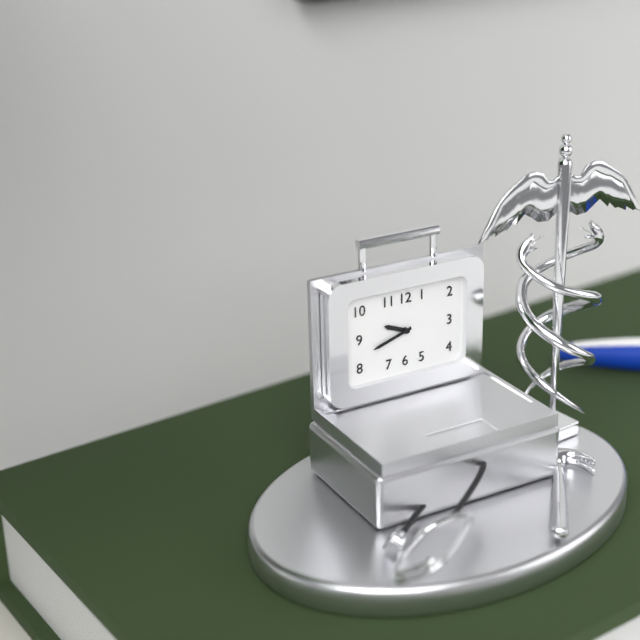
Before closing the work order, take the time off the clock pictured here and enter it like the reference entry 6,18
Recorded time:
9,42
